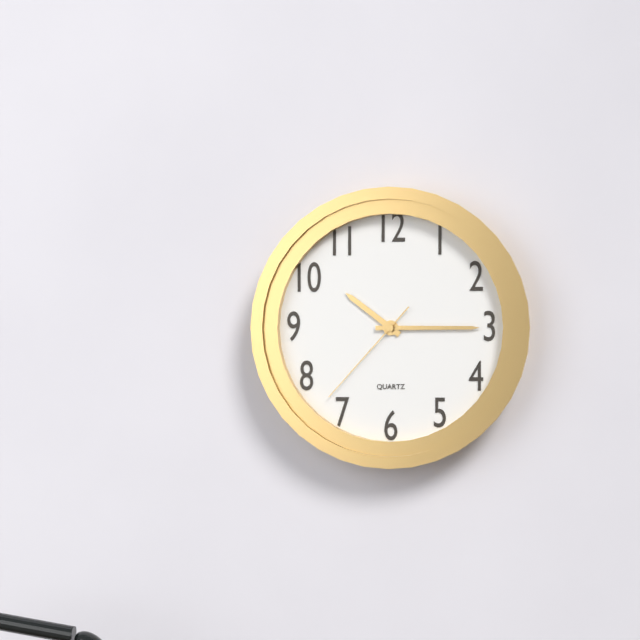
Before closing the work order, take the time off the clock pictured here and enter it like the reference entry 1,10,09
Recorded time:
10,15,37
